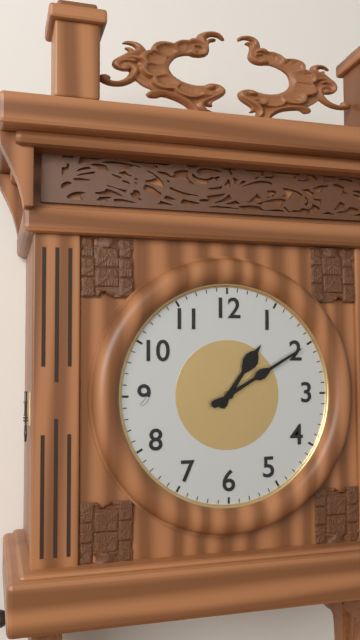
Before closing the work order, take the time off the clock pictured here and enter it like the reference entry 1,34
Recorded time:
1,10
